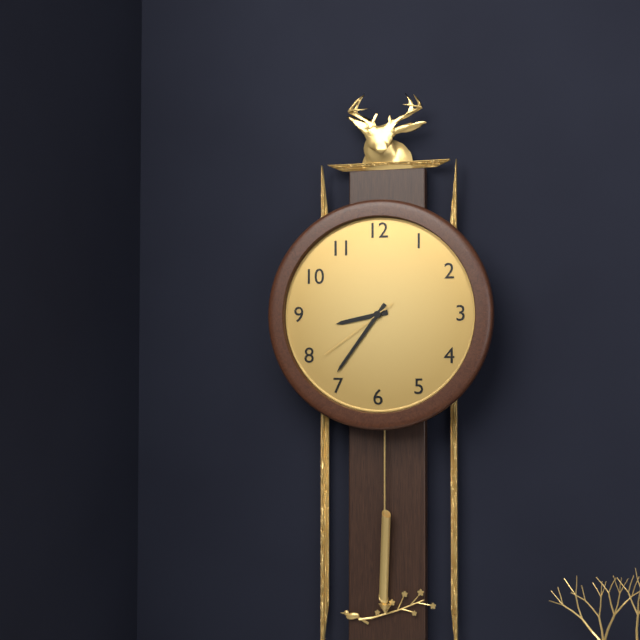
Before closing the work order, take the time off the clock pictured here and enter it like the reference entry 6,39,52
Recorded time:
8,36,39
